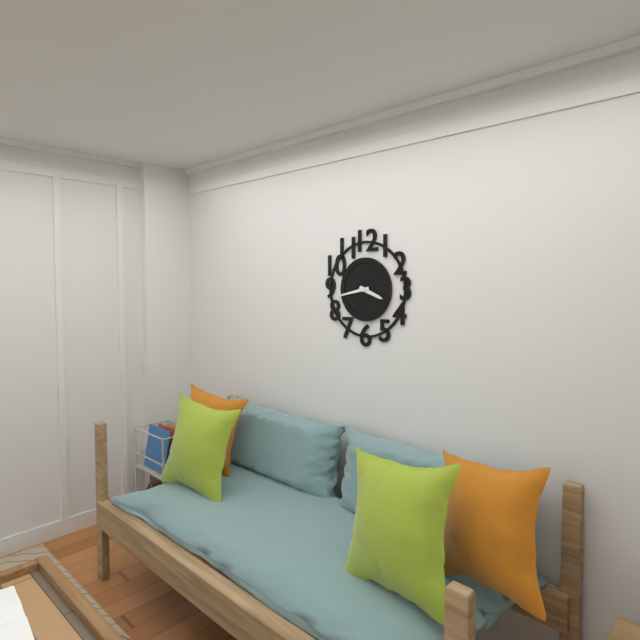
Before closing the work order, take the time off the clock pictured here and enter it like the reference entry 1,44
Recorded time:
3,43
